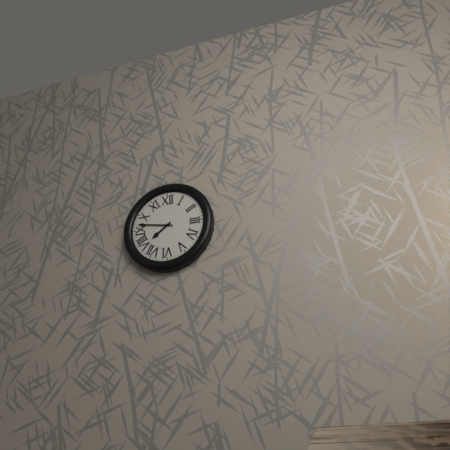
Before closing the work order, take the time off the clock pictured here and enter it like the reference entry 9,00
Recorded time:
7,47
